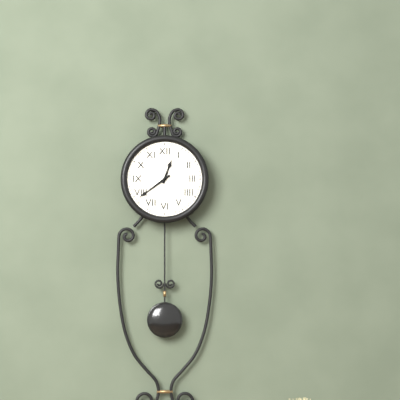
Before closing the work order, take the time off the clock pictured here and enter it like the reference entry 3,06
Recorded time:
12,39
